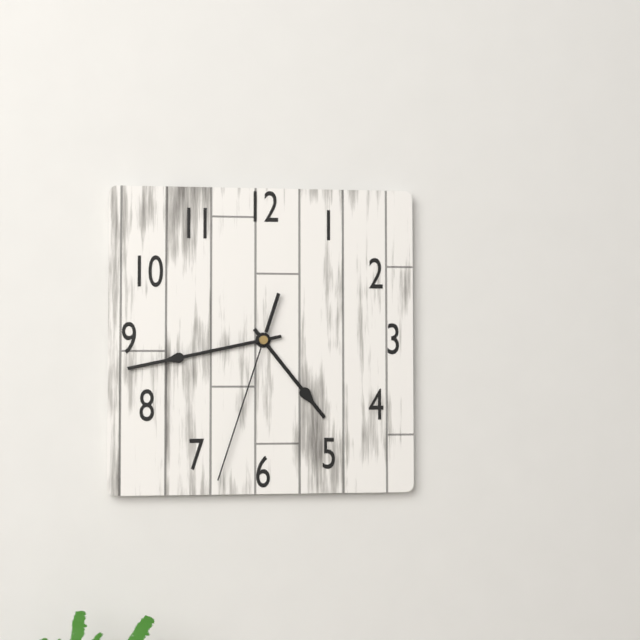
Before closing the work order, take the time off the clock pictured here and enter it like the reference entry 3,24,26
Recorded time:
4,43,33
